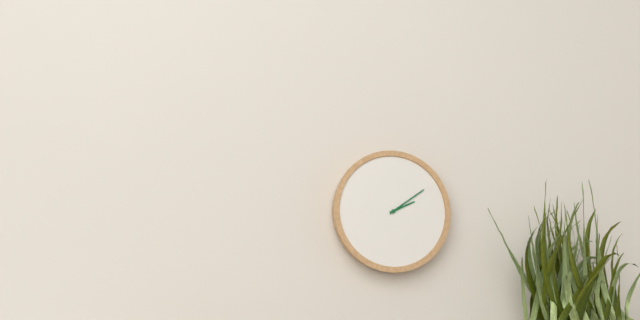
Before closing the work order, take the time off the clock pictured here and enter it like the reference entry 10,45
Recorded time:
2,09
